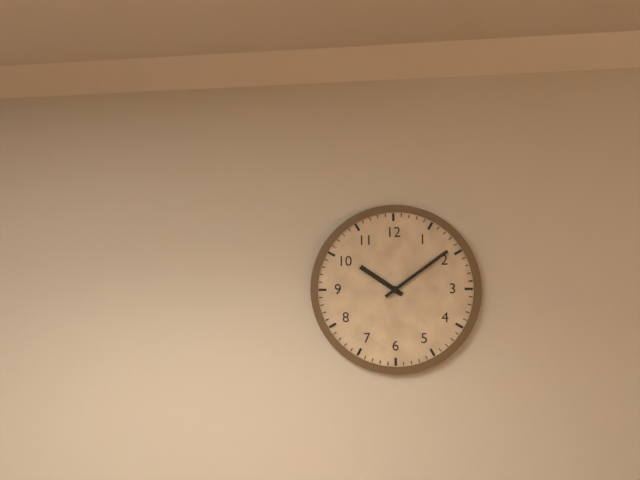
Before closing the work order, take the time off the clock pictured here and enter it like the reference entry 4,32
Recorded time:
10,09
